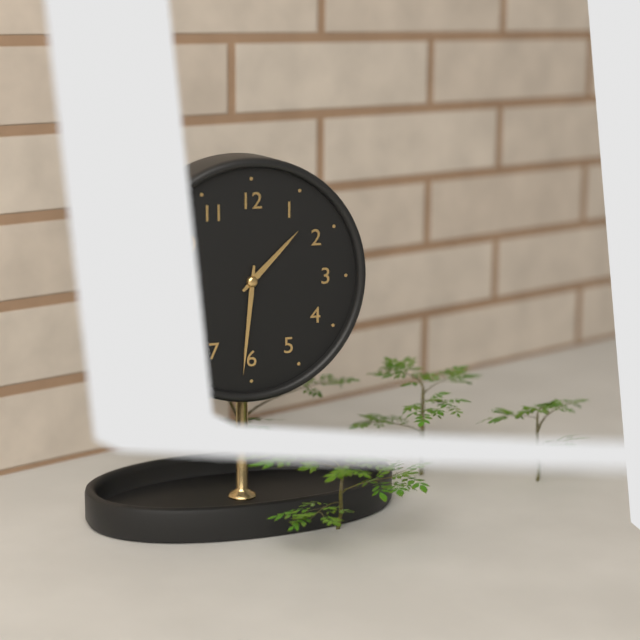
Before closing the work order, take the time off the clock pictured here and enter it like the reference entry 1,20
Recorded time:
1,31
